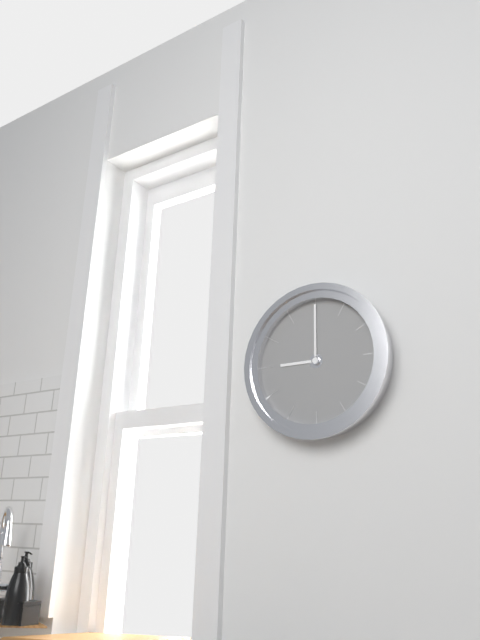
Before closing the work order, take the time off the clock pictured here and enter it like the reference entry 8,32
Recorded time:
9,00
